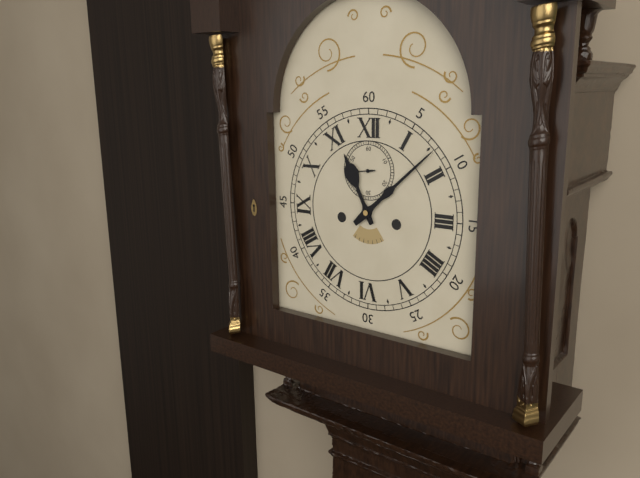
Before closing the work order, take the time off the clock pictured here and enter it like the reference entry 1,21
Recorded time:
11,08
